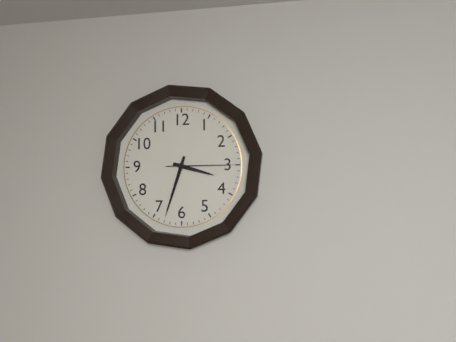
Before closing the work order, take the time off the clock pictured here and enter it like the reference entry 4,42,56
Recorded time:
3,33,15
